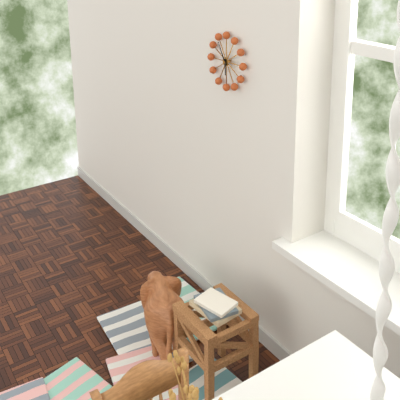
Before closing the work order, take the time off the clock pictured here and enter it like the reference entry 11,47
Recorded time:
5,55
